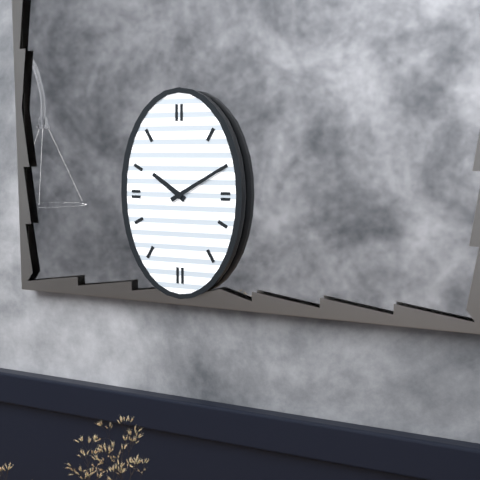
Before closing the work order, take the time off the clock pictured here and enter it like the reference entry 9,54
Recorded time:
10,10
